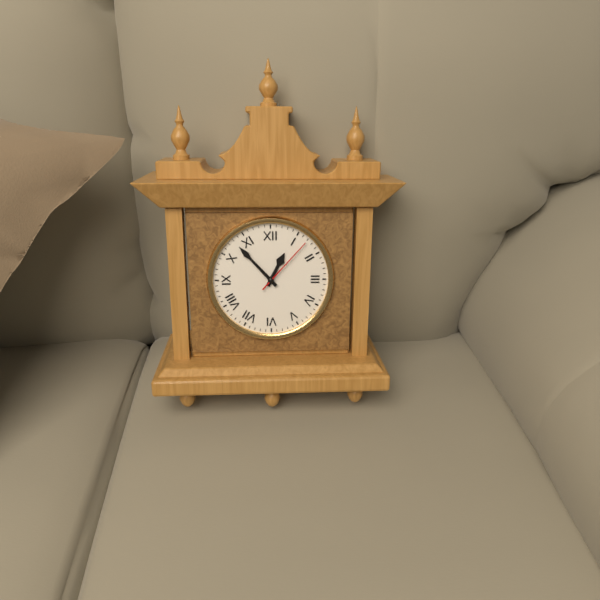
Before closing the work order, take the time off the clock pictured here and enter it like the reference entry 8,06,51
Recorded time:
12,53,07
